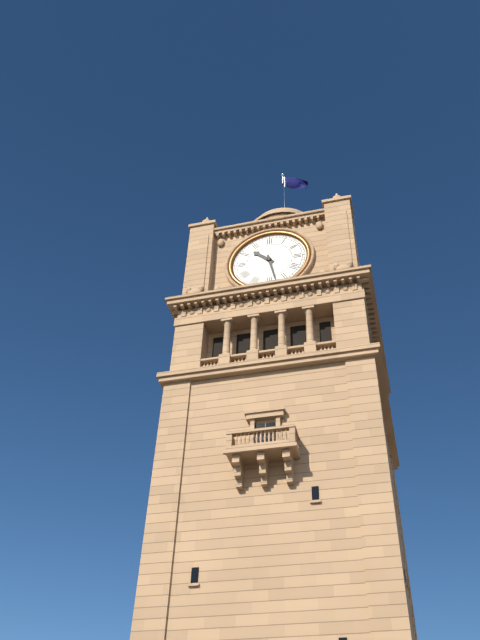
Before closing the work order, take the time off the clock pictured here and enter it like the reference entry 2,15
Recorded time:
10,28
